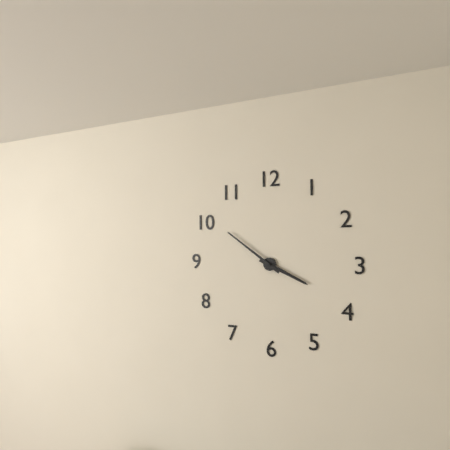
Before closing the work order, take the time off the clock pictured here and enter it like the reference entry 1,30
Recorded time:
3,51
